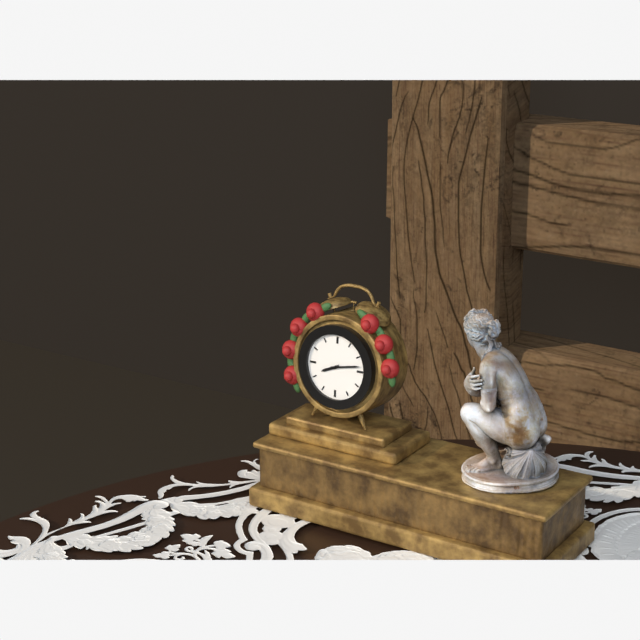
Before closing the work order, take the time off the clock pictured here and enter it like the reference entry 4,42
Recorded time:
8,13
